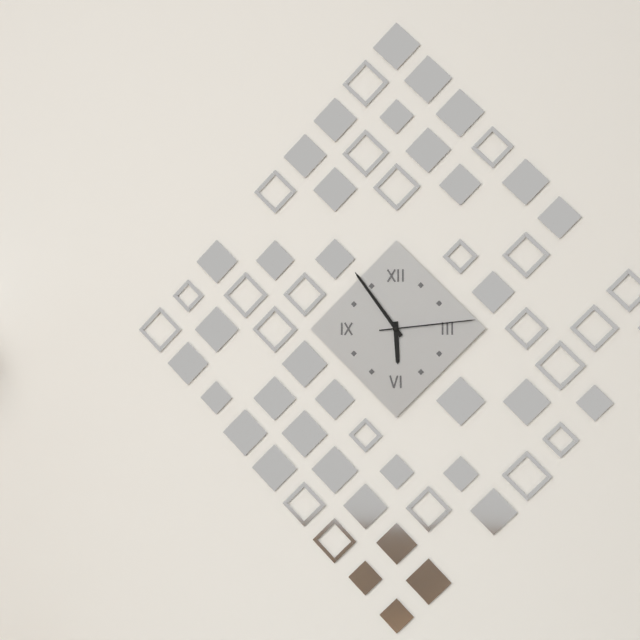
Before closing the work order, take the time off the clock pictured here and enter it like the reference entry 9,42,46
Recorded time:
5,54,14
